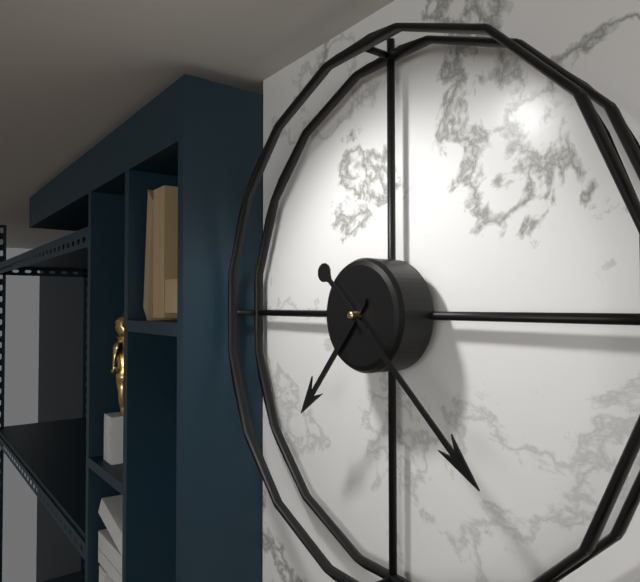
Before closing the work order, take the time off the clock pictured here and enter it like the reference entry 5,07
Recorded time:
7,22
